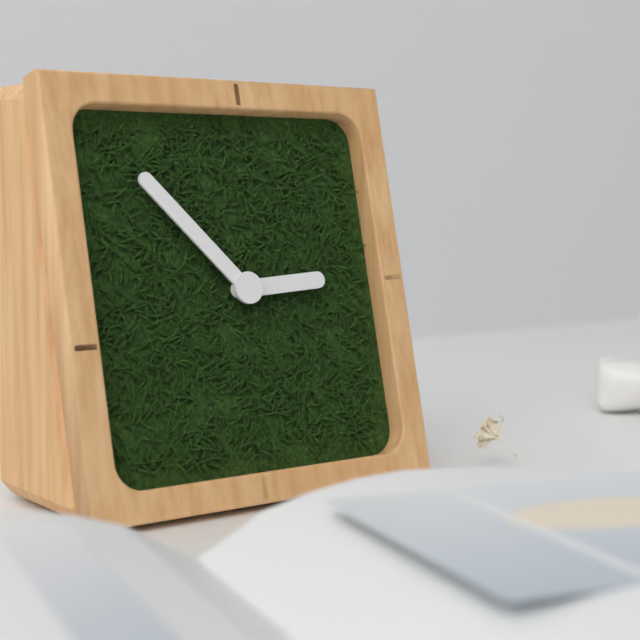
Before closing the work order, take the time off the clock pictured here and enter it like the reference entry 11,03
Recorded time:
2,53
